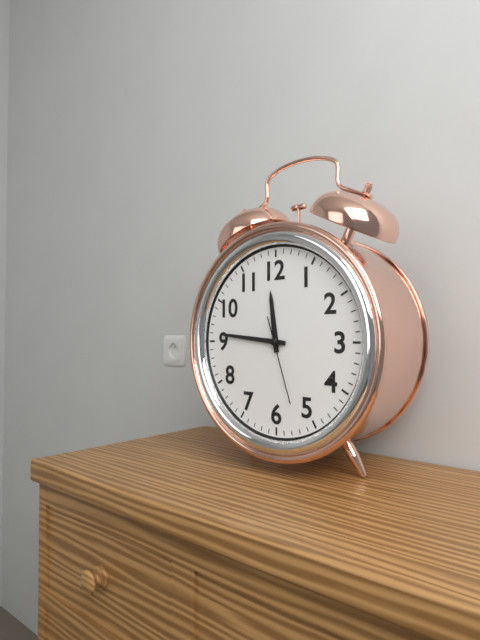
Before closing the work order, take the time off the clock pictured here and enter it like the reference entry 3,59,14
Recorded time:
11,46,27
